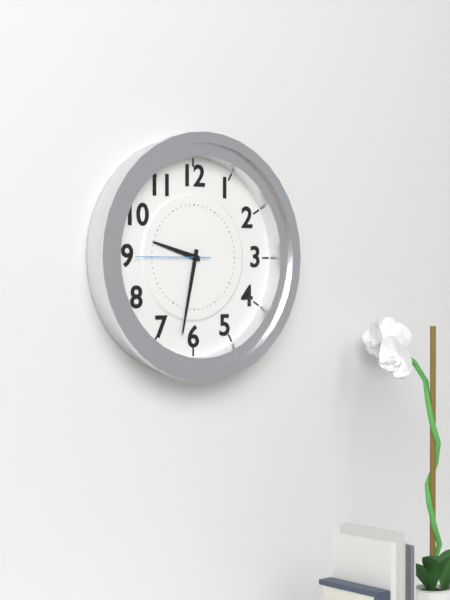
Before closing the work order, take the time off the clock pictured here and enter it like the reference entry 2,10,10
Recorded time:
9,32,45
